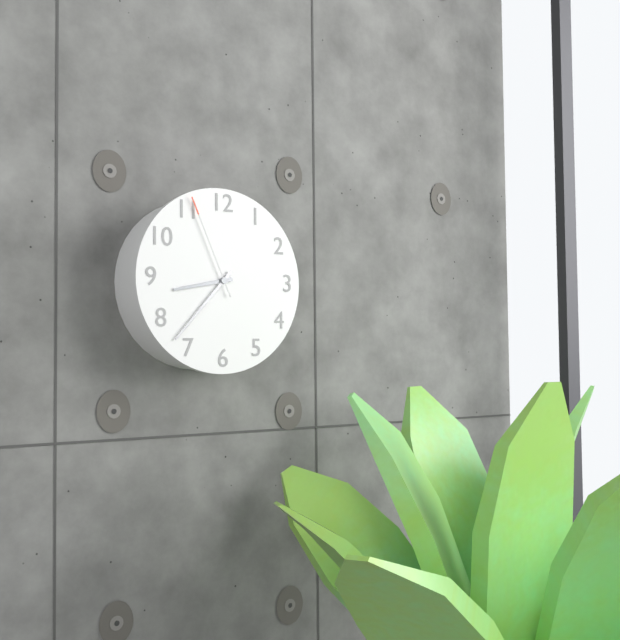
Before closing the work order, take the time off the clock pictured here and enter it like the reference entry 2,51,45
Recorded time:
8,37,56
